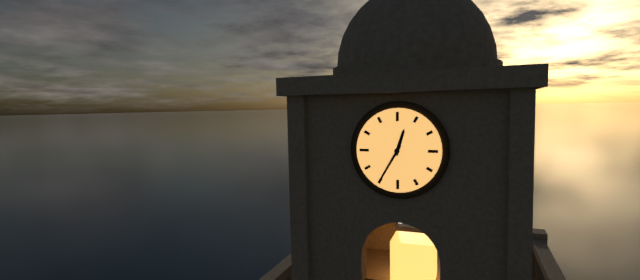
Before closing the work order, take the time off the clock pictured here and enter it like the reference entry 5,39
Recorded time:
12,35
